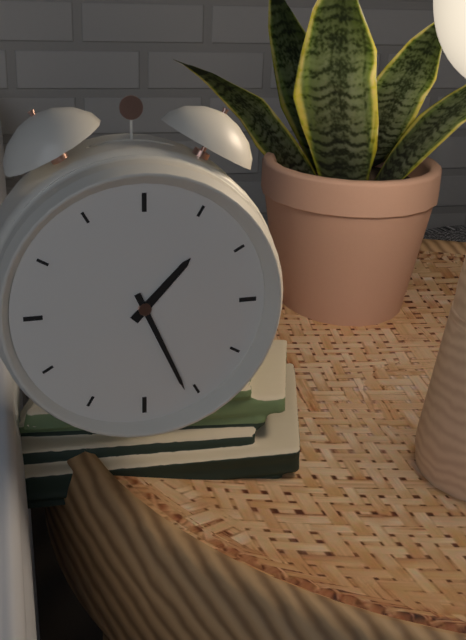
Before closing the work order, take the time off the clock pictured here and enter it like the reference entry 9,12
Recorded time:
1,26
